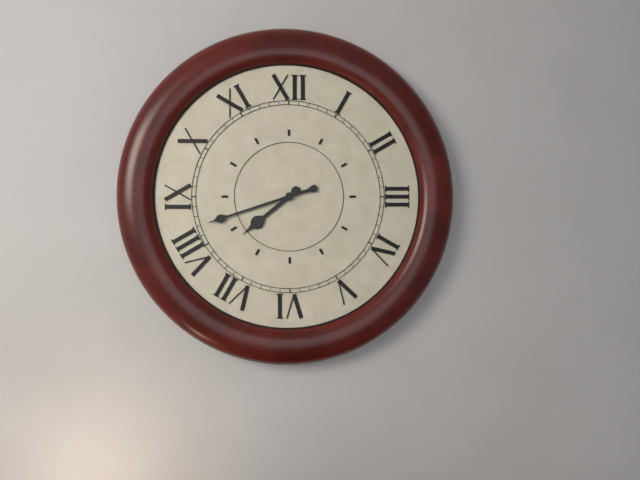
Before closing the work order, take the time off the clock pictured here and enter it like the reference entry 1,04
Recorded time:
7,42
